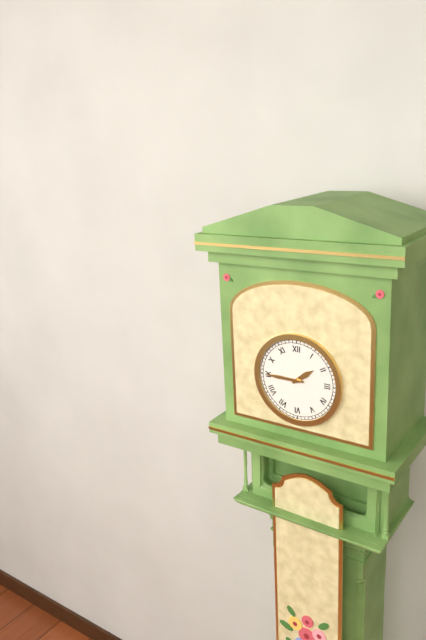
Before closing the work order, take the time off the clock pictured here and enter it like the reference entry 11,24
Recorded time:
1,45
